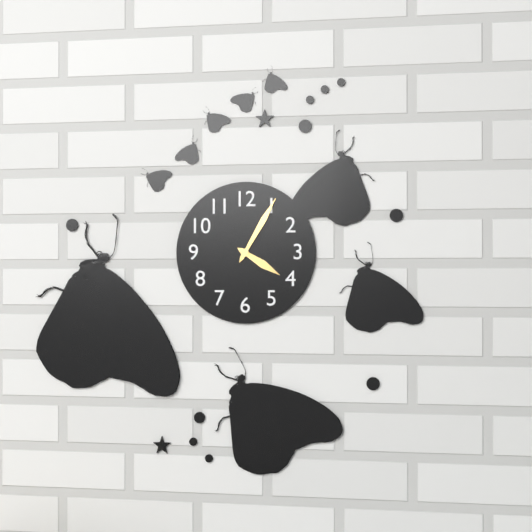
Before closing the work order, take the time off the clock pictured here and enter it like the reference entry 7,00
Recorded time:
4,05
